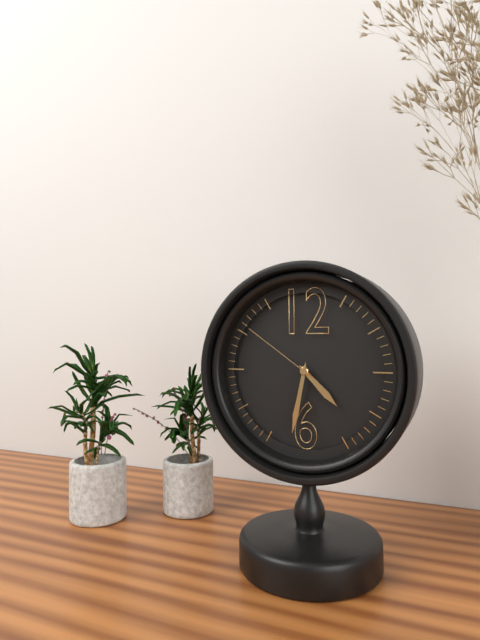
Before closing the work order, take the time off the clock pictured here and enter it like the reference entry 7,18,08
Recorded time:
4,32,51
